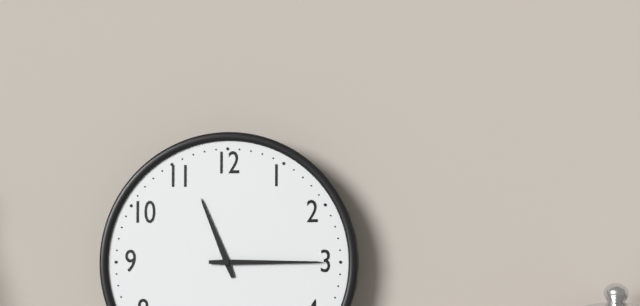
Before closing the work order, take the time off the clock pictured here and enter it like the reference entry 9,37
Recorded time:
11,15
